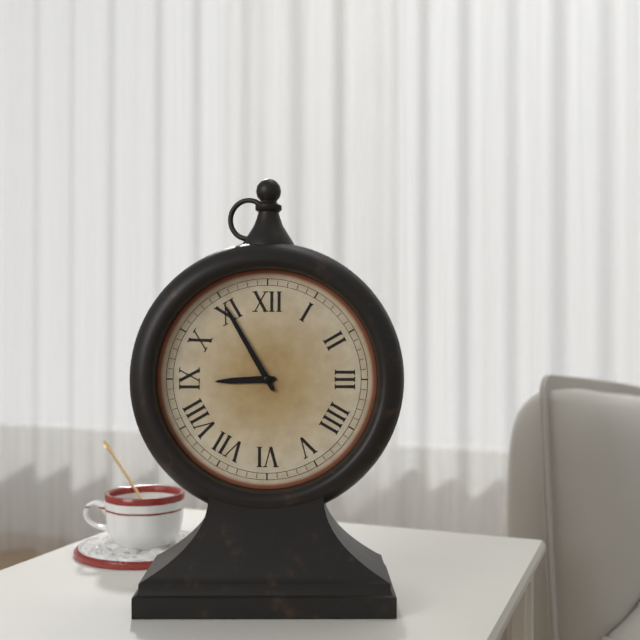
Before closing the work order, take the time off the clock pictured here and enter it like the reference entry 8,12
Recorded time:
8,55
